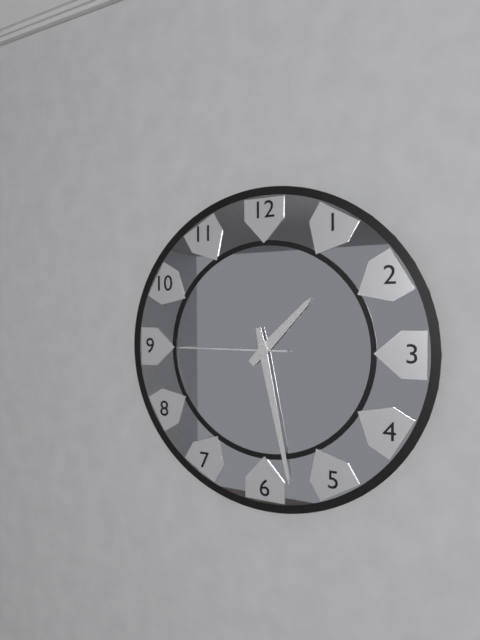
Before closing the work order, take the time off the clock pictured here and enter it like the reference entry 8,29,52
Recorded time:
1,28,45
